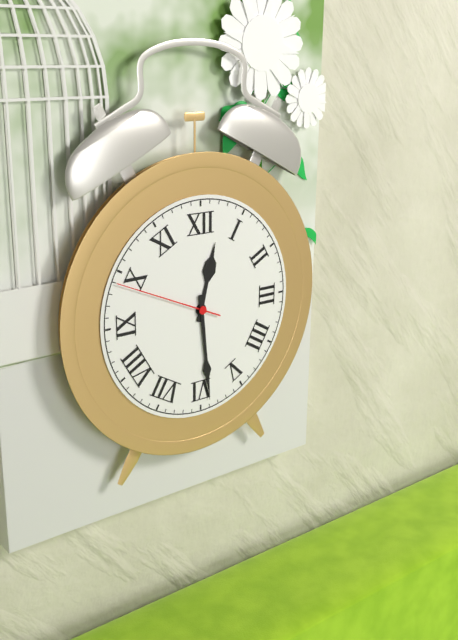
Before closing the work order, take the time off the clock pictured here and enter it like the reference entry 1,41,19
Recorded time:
12,29,49
